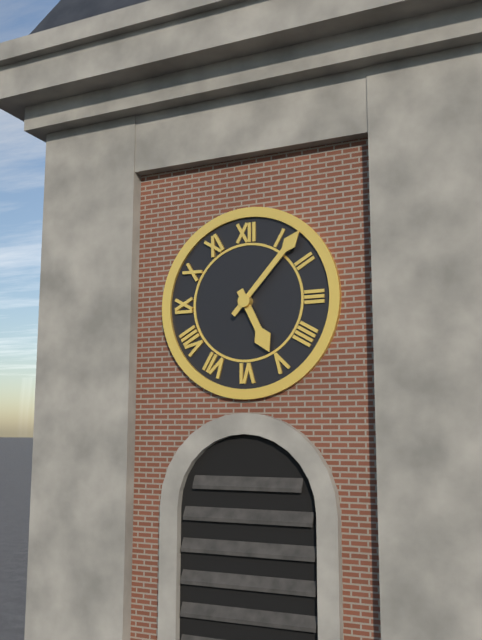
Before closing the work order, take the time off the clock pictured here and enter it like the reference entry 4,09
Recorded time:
5,07
